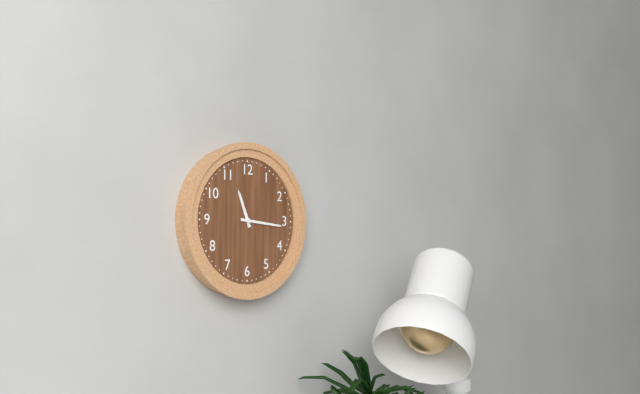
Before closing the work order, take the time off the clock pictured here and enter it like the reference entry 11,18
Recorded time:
11,16
